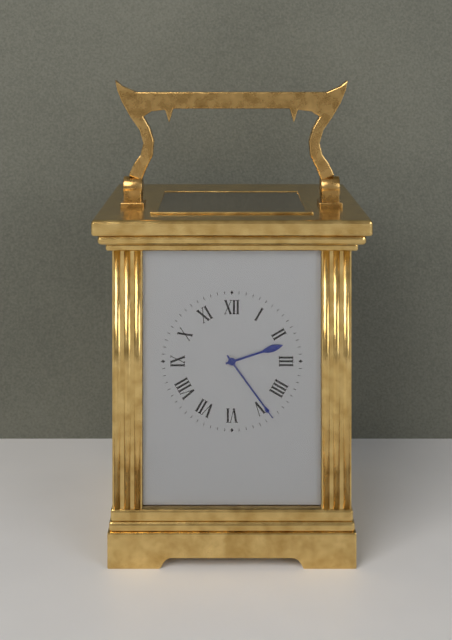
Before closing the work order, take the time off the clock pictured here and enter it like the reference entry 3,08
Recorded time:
2,24
